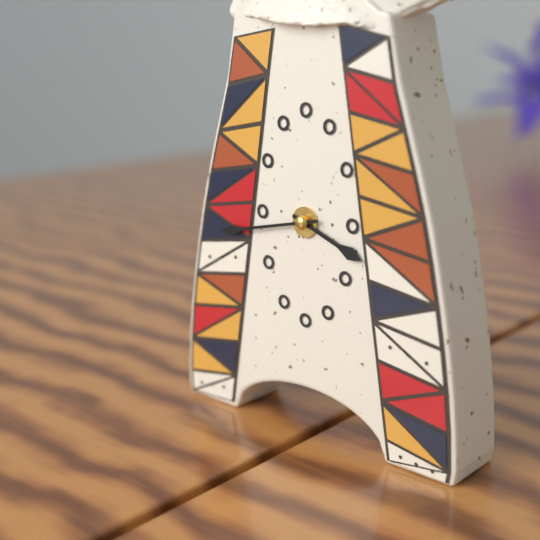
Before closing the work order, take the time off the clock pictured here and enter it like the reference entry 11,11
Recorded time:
3,43
